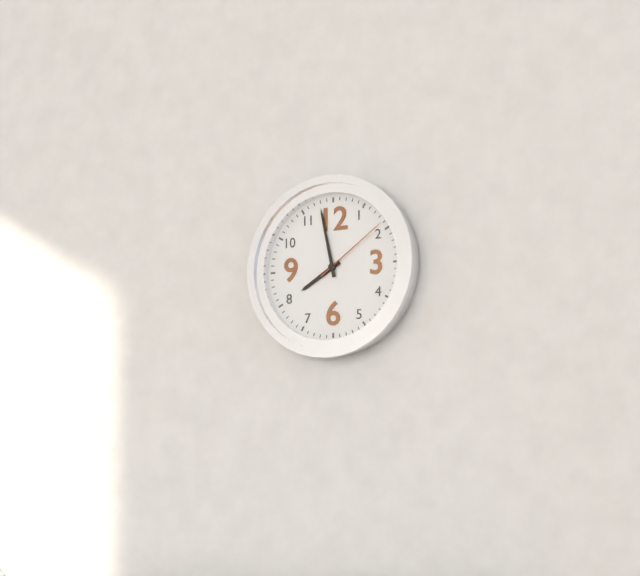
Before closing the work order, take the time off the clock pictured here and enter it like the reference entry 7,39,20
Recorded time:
7,58,09
